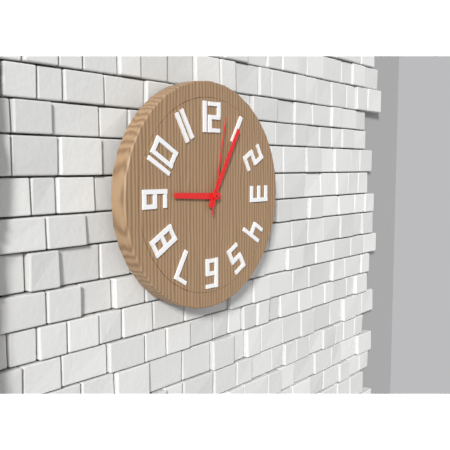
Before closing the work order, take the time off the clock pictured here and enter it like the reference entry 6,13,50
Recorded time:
9,05,02
